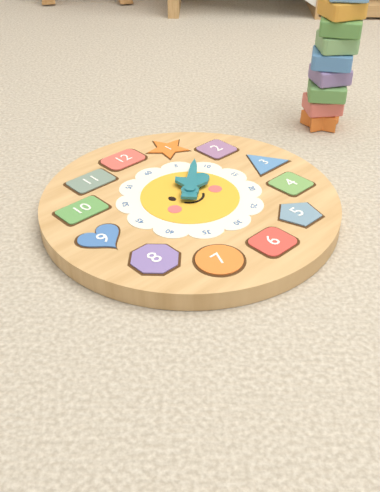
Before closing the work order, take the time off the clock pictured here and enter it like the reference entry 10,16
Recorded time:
2,08
